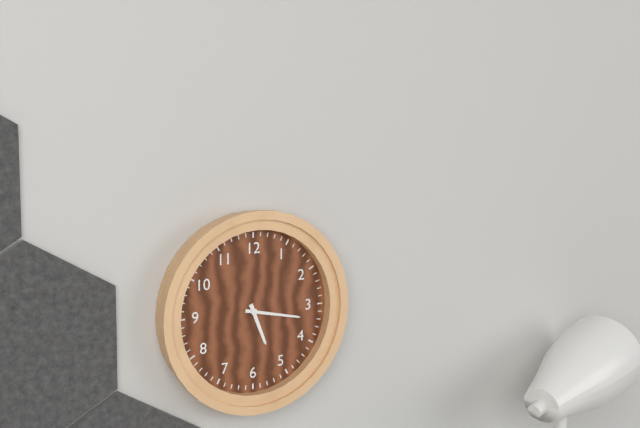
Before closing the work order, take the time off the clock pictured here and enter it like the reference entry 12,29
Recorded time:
5,17
